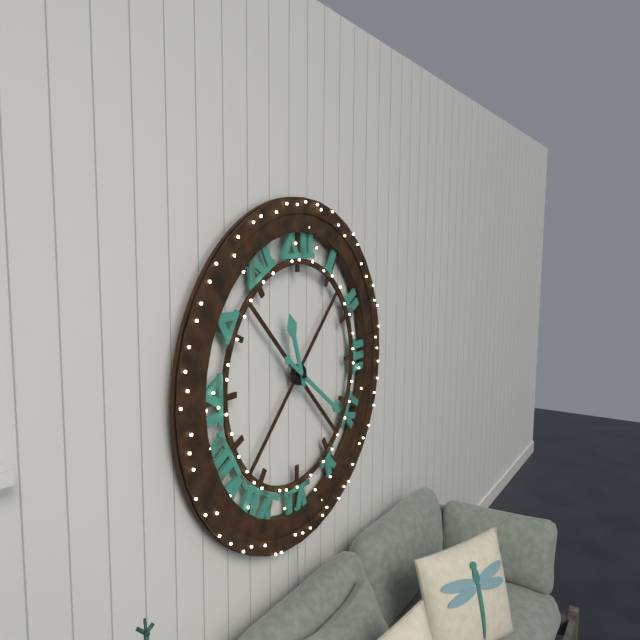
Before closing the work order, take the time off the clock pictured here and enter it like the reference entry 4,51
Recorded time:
11,21
